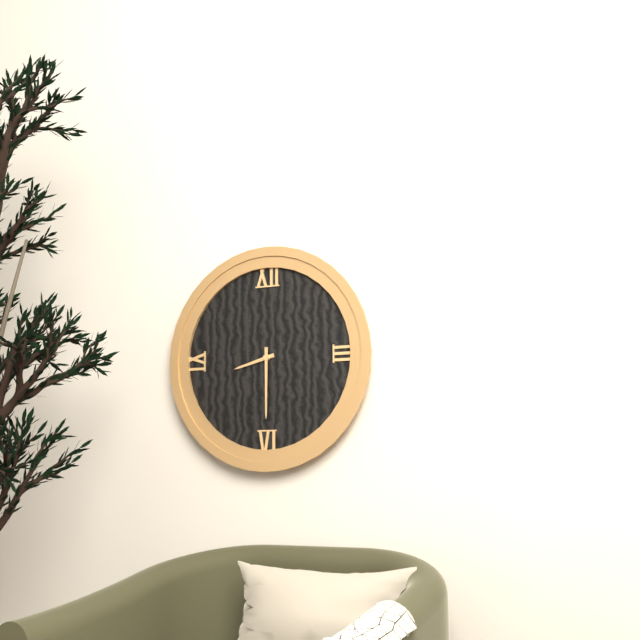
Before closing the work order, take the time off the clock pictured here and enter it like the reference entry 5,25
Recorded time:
8,30
